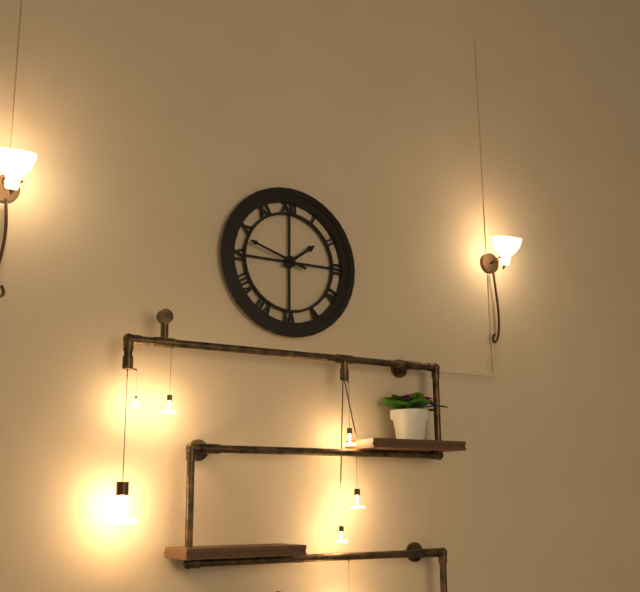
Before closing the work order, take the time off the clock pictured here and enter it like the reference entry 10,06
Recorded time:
1,48
